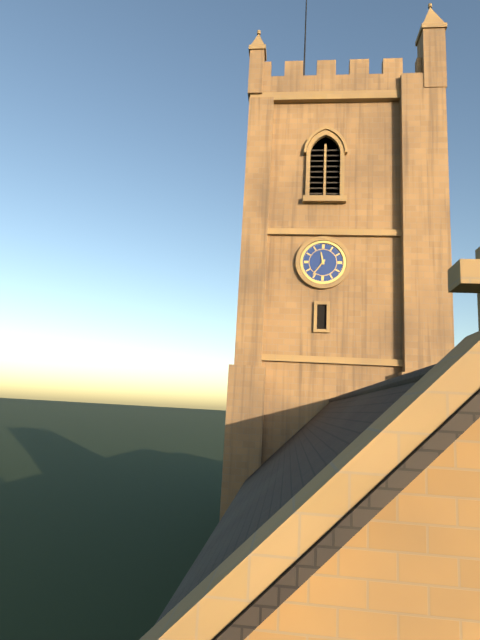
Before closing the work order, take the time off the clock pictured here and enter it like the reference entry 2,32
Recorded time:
11,36
